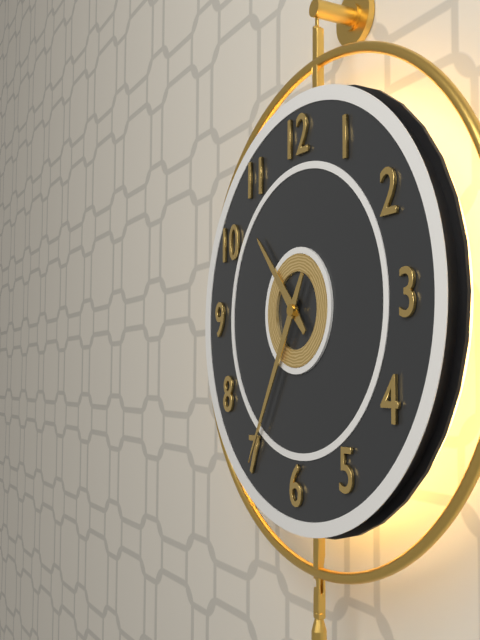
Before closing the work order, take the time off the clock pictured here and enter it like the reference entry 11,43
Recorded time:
10,35
